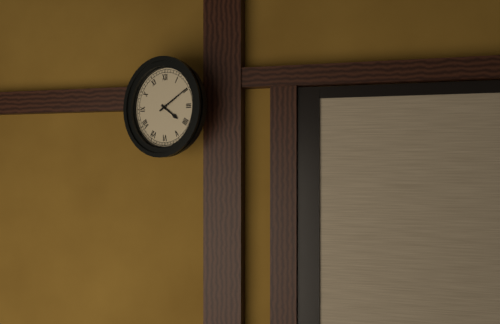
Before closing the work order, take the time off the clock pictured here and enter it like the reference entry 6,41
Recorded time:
4,10
